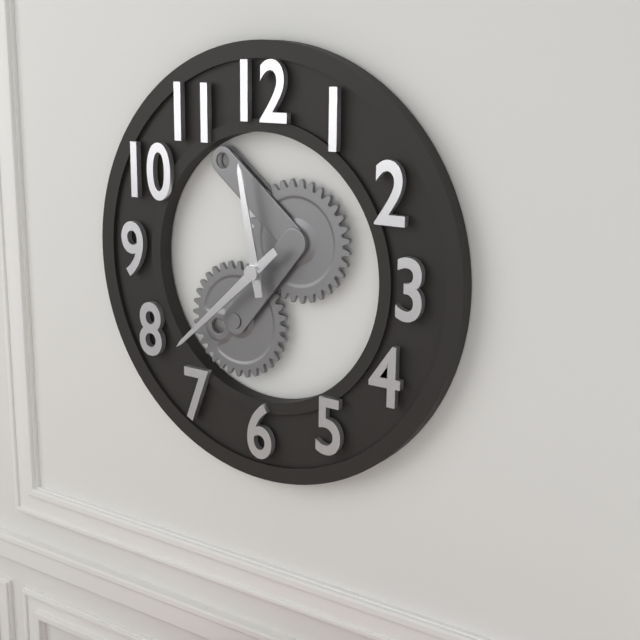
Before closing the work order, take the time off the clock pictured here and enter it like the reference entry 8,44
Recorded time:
11,38
